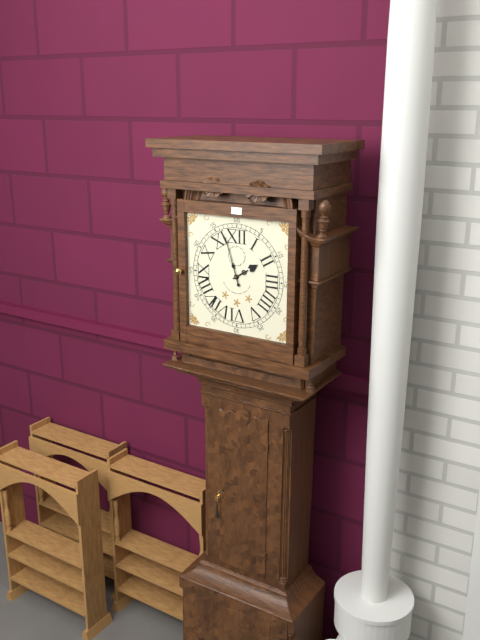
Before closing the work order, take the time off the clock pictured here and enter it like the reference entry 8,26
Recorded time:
1,57
